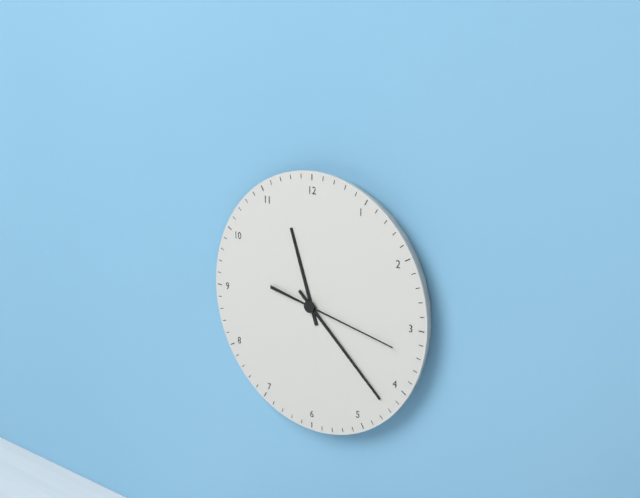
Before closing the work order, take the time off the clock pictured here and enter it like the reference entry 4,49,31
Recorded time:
11,22,17
